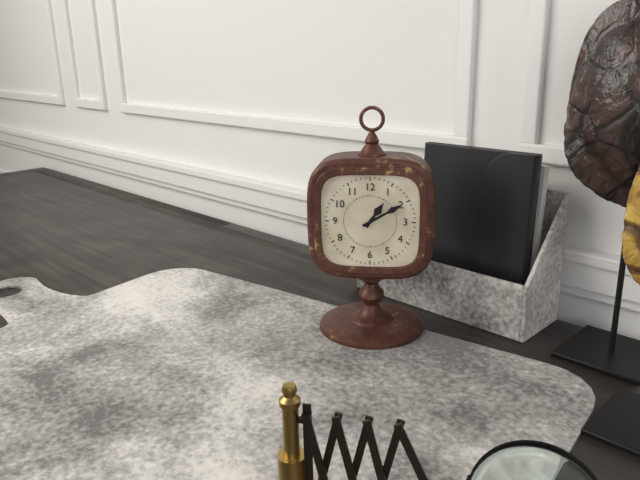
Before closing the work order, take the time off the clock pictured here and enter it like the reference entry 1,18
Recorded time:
1,10
